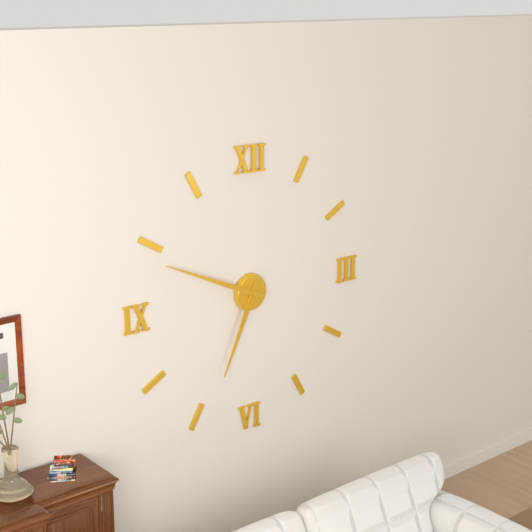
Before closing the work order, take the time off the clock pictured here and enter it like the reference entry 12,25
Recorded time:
6,49
